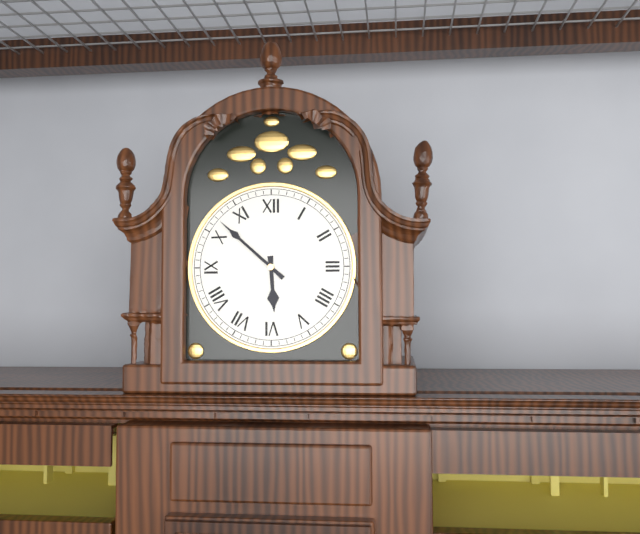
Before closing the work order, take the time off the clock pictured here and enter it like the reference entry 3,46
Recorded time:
5,52
